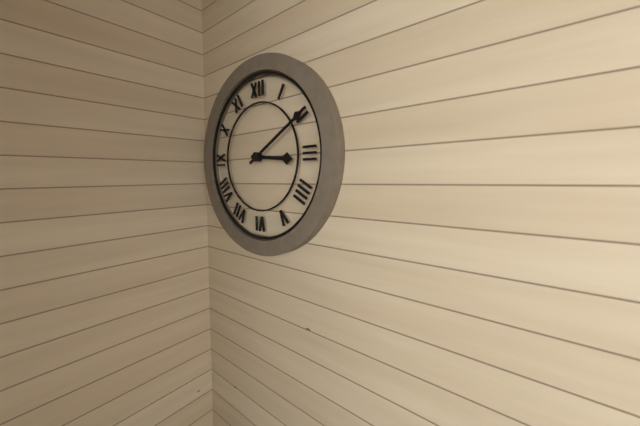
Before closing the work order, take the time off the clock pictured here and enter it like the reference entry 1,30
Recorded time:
3,10
